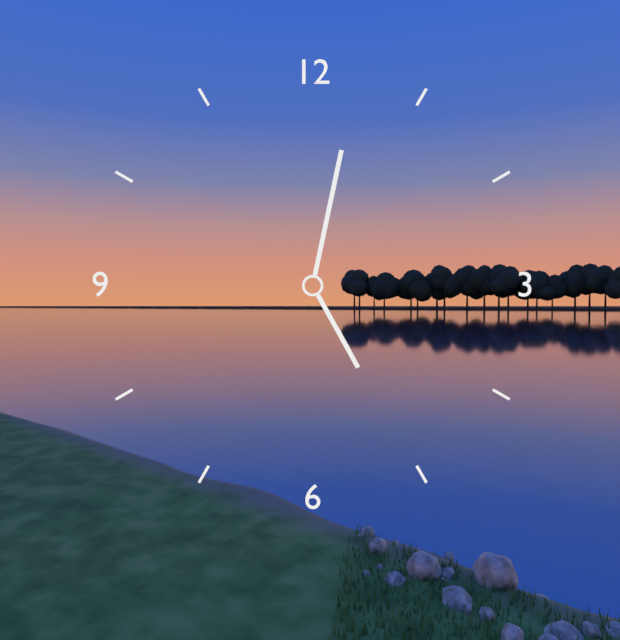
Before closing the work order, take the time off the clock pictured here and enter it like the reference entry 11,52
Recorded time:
5,02
